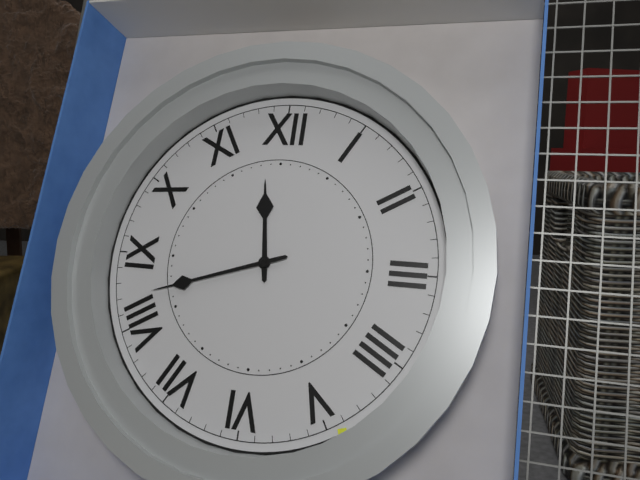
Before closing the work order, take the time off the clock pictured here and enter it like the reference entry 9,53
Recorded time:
11,42
